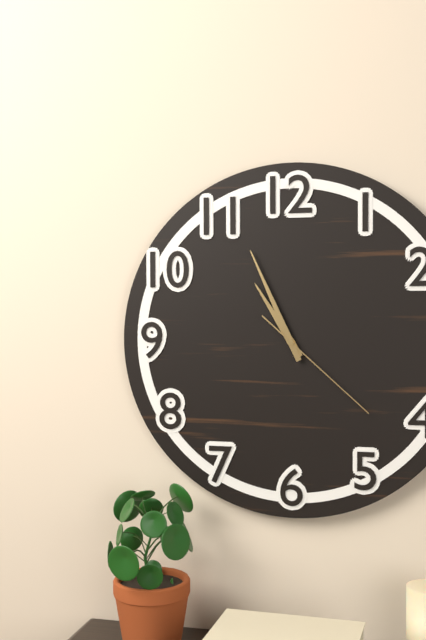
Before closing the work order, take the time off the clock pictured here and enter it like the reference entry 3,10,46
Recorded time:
10,56,22
